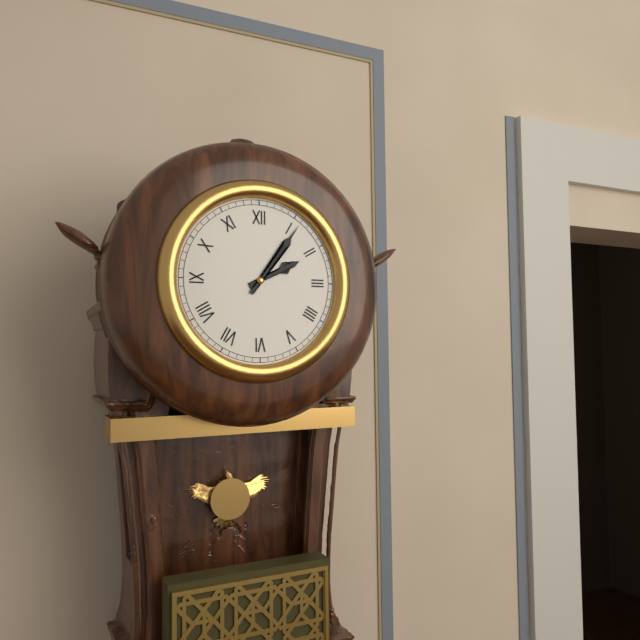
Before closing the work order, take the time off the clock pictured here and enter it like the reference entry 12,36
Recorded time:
2,06
